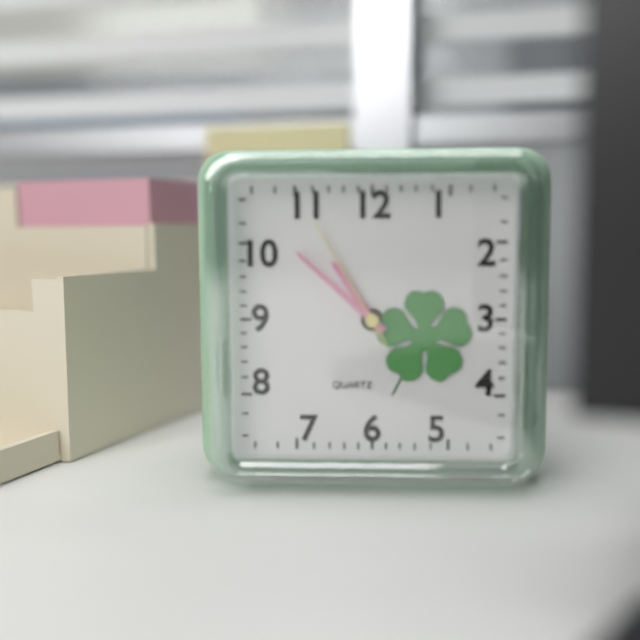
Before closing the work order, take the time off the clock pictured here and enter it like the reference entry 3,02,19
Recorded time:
10,52,55
